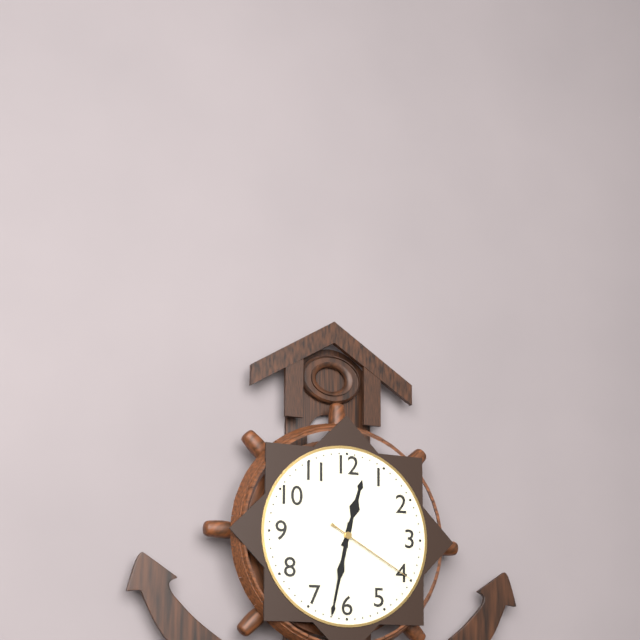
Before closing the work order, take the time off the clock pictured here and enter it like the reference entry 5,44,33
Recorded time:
12,32,20
